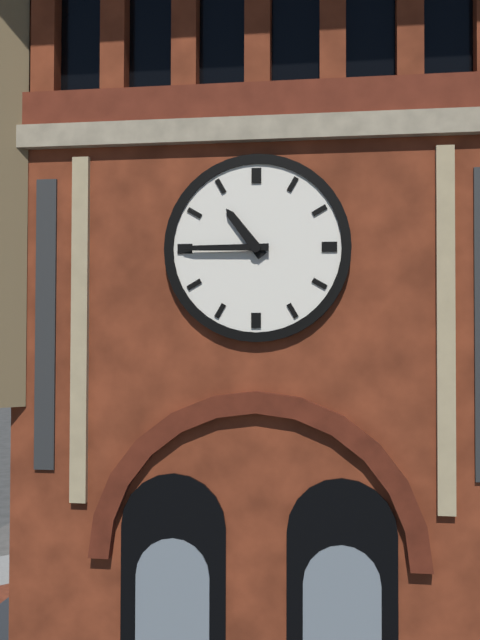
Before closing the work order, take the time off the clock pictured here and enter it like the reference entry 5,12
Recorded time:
10,45
